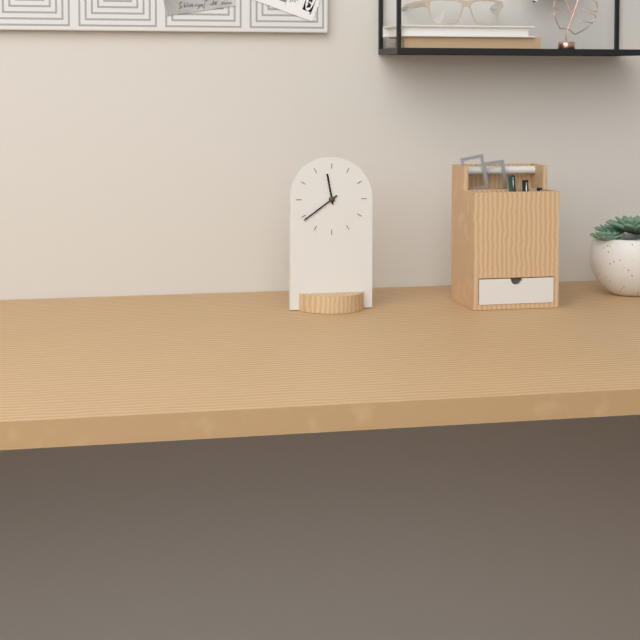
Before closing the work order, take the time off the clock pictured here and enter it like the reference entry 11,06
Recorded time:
11,39
